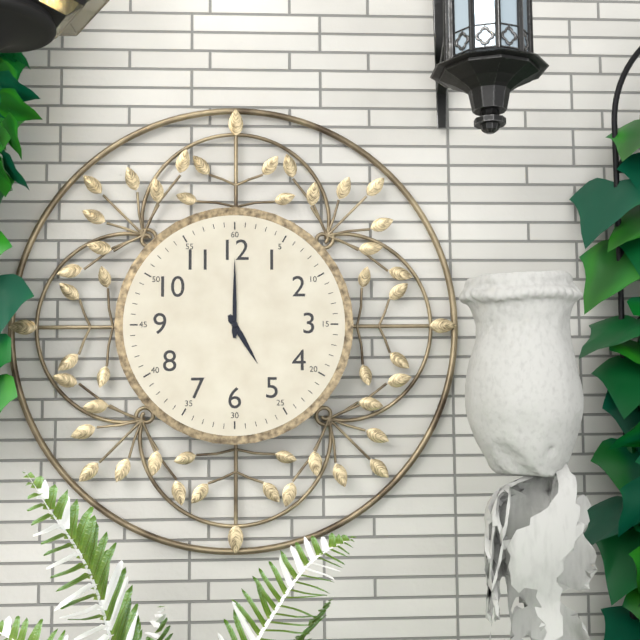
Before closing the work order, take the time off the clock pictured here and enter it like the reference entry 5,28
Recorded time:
5,00
